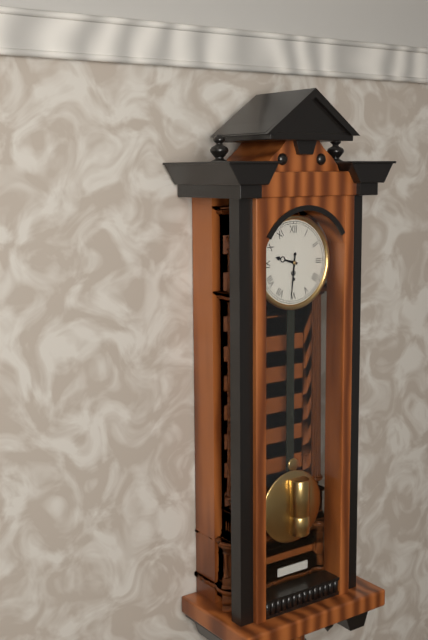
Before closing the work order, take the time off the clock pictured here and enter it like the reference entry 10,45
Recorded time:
9,31
